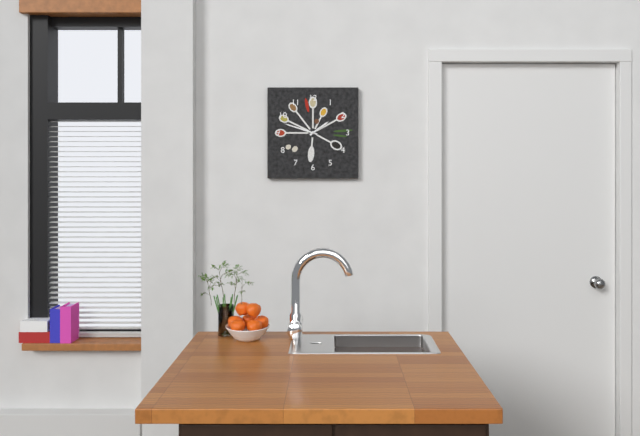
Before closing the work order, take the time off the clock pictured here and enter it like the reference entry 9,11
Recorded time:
1,48
